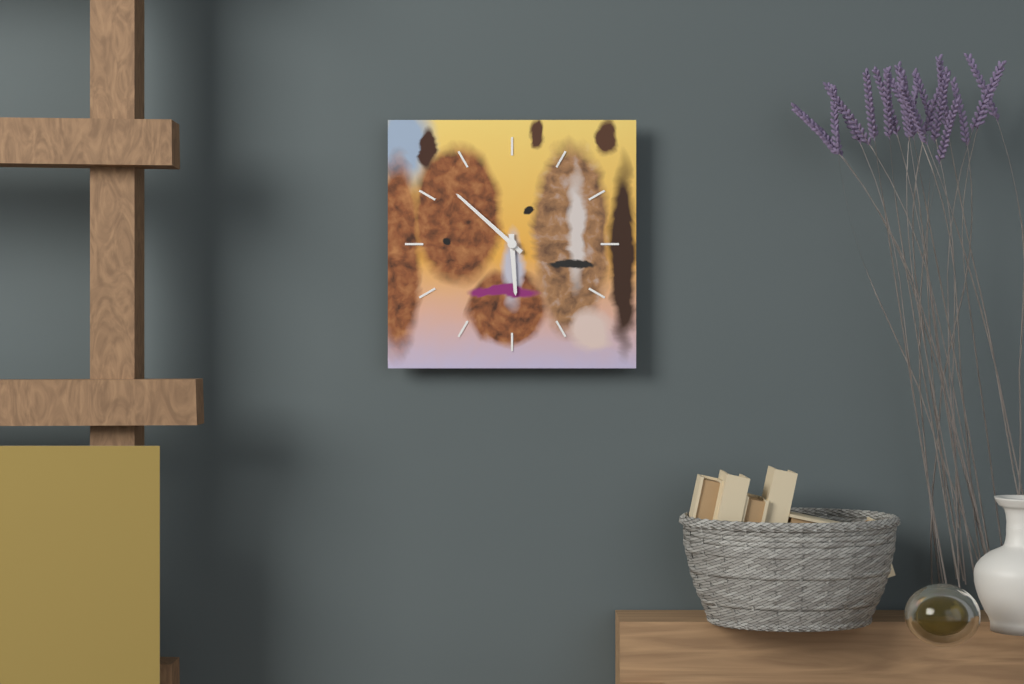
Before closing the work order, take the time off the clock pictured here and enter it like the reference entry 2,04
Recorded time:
5,52
